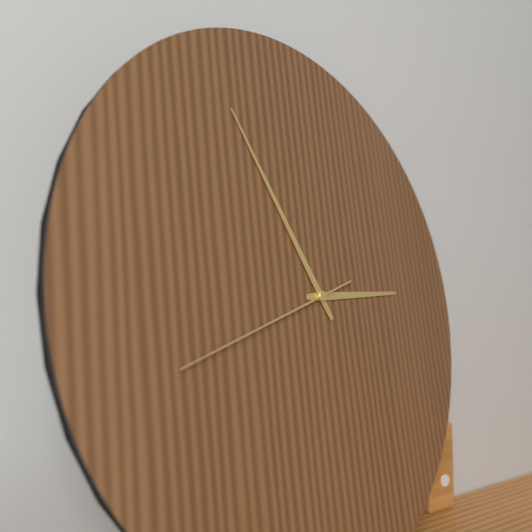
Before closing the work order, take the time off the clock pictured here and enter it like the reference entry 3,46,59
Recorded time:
2,55,42
